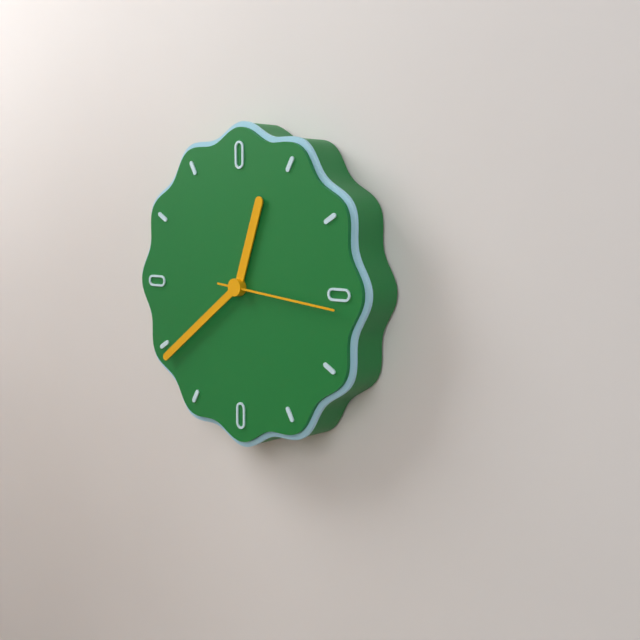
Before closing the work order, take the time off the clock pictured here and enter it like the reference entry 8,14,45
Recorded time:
12,39,16
